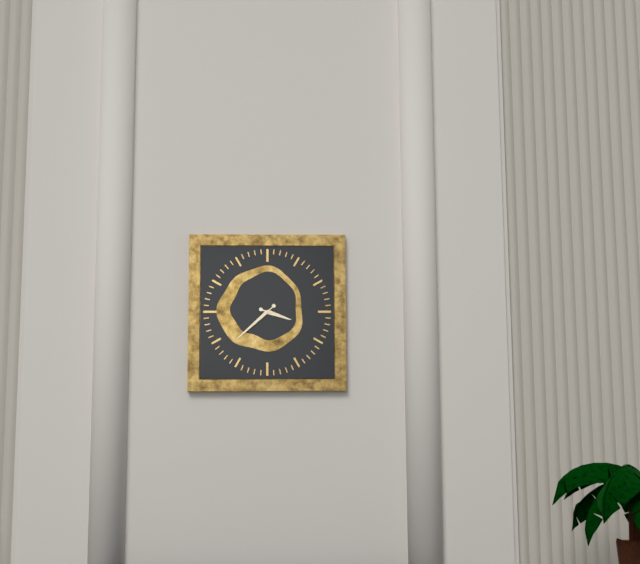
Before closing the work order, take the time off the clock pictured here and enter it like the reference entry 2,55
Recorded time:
3,38
